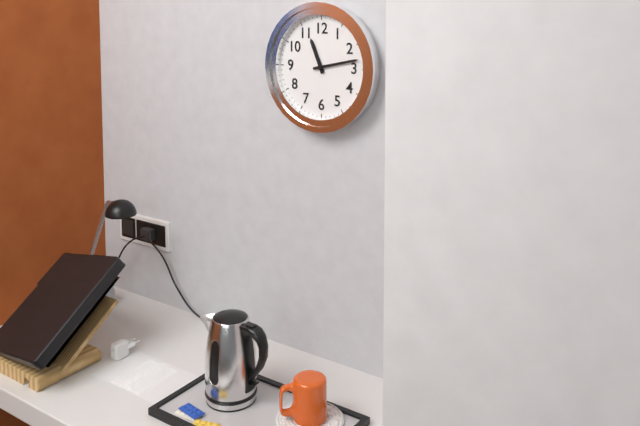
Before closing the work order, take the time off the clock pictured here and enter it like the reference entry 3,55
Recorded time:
11,13
